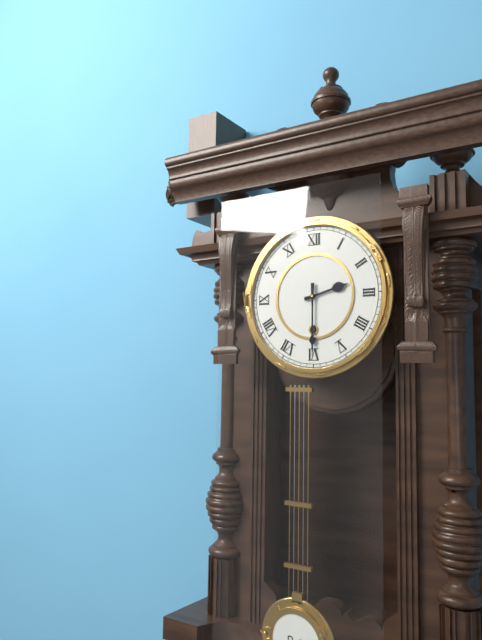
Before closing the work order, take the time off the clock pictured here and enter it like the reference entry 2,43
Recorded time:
2,30
